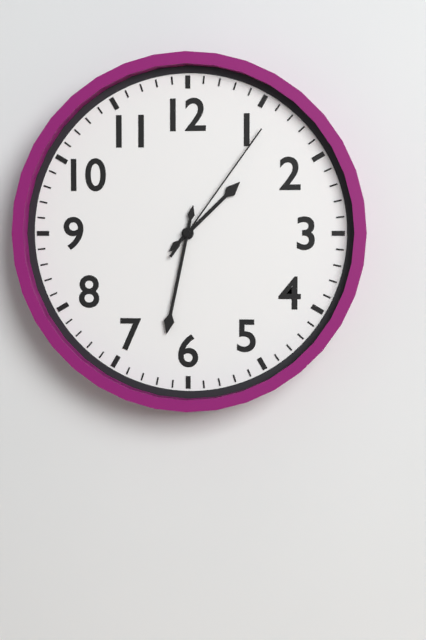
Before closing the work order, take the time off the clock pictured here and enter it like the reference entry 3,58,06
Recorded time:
1,32,06
